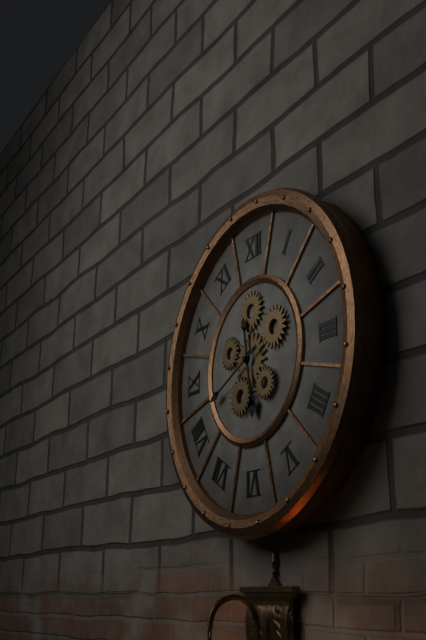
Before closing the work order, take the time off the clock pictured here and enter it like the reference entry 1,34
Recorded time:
5,41
